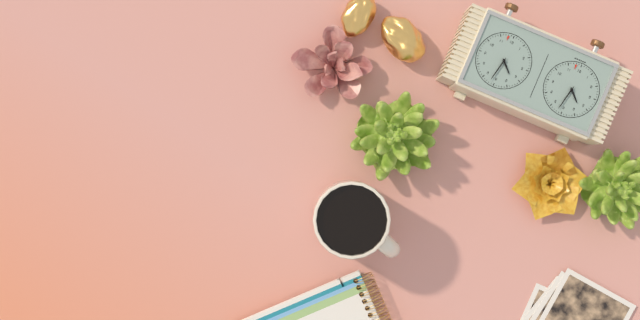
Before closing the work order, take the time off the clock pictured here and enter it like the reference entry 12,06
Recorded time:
4,32
